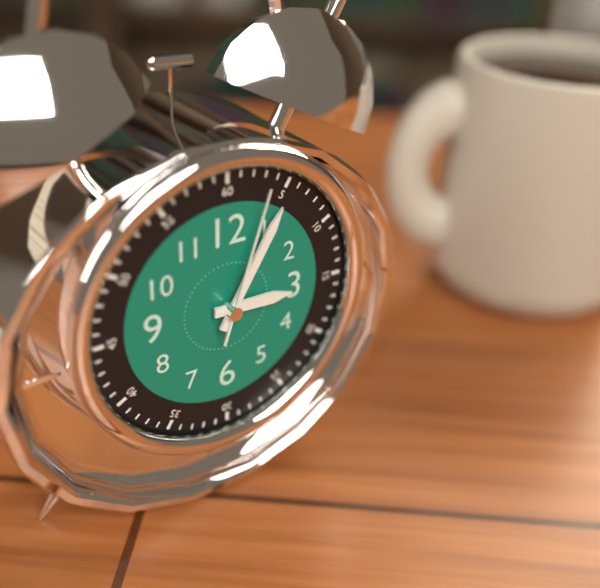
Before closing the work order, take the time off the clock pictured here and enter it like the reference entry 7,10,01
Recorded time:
3,05,03
